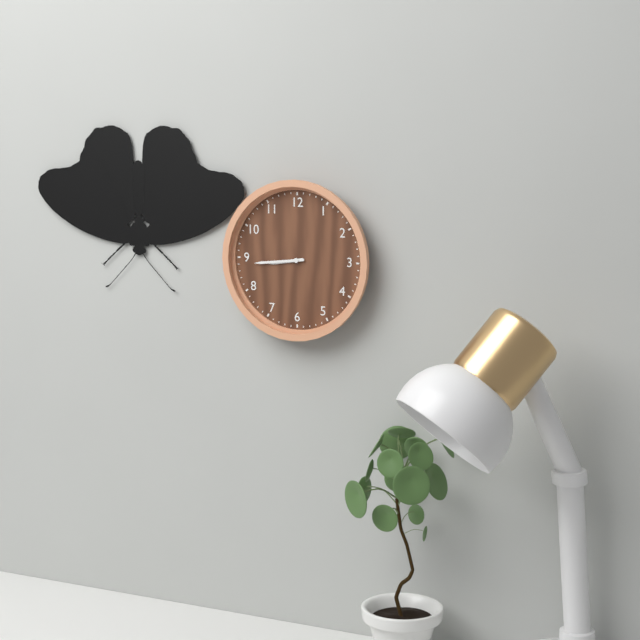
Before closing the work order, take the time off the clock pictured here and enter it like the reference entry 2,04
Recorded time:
8,44
